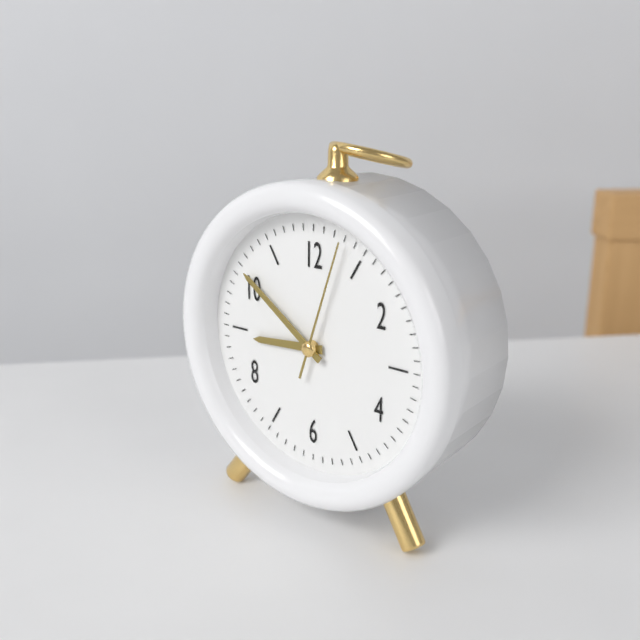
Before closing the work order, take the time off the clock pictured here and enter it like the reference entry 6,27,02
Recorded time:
8,51,03
